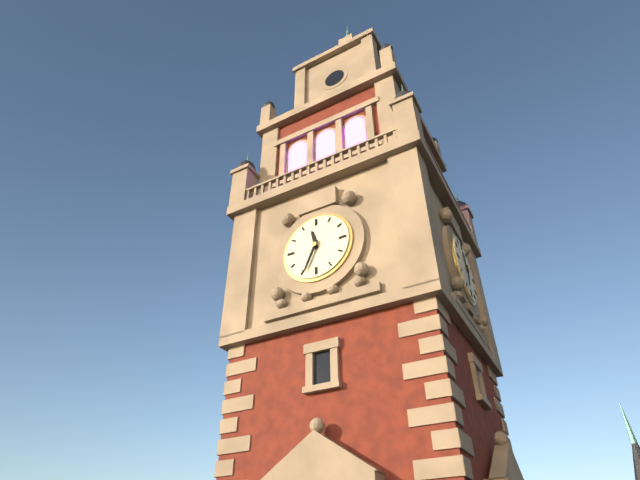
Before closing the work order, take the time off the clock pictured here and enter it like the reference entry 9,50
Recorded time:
11,34
